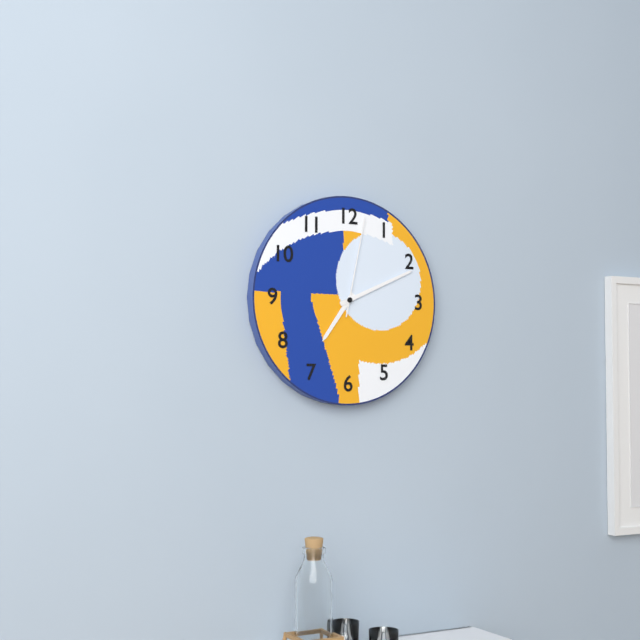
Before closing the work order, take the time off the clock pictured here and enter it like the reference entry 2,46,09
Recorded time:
7,11,02
